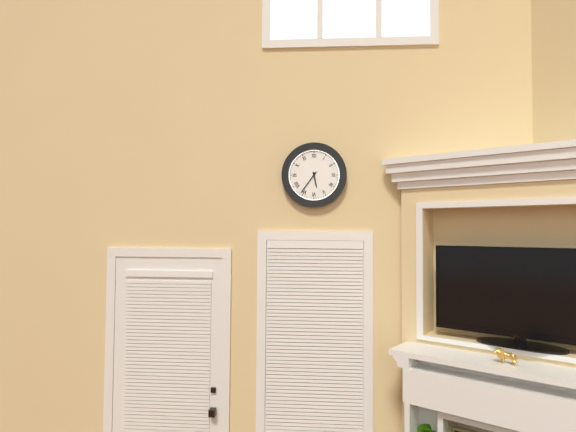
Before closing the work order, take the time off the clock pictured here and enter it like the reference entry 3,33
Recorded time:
5,36
